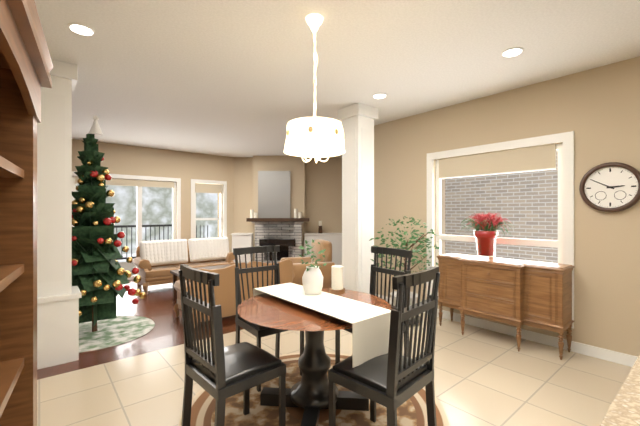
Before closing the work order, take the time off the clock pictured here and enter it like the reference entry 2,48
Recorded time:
2,50
